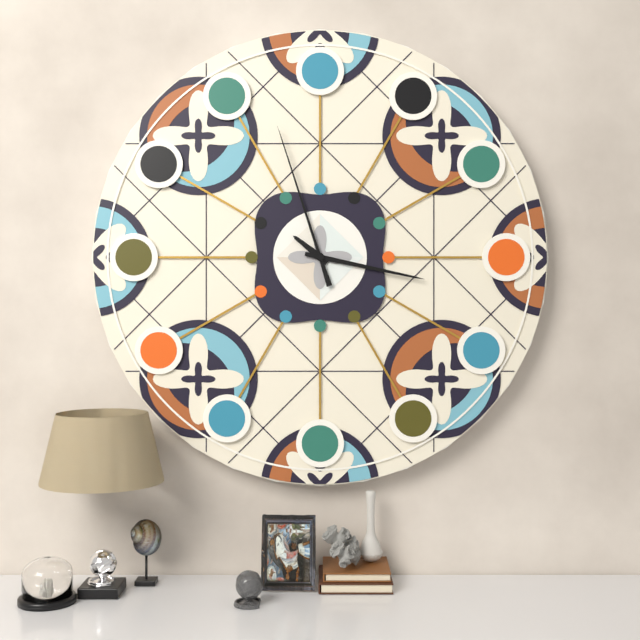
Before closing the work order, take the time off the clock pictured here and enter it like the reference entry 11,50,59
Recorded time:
10,17,57
